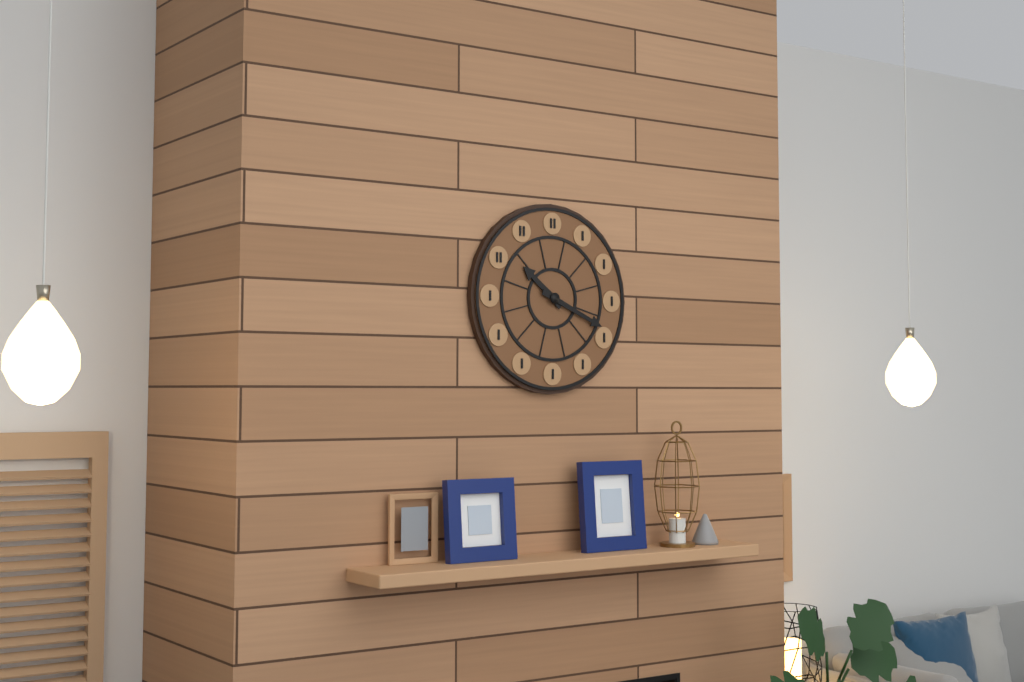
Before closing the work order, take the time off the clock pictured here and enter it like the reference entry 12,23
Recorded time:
10,19
